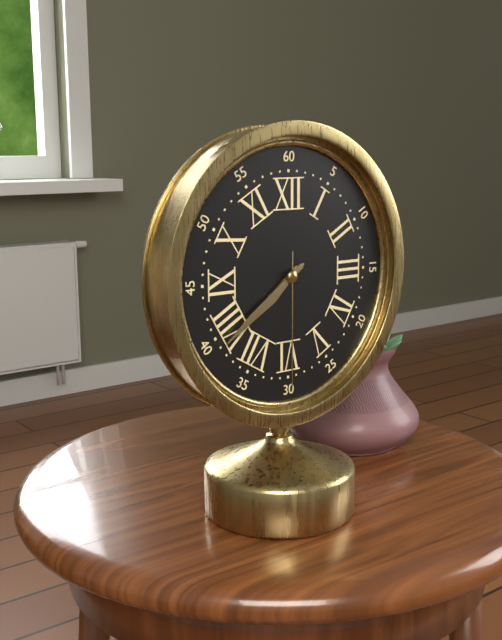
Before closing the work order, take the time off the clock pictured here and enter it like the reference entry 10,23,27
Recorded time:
7,39,30
